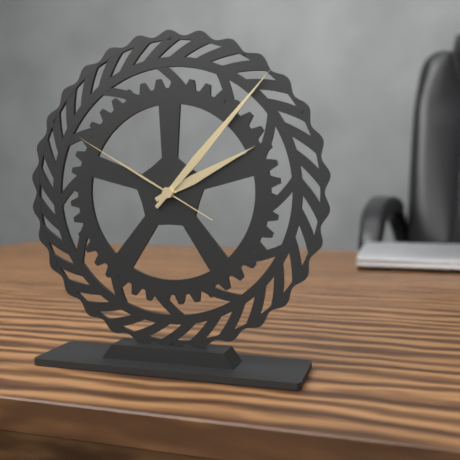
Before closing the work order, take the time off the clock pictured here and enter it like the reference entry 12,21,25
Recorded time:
2,07,50
